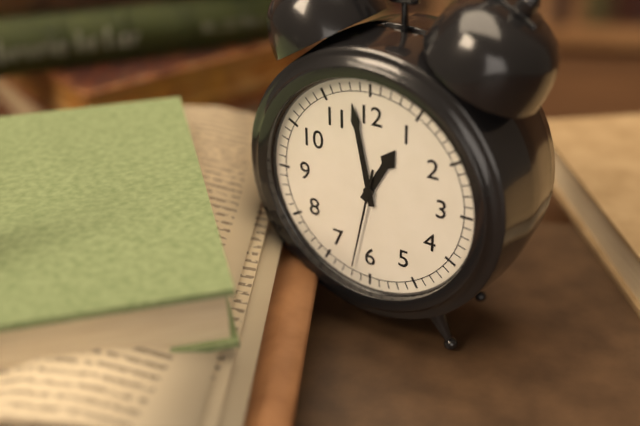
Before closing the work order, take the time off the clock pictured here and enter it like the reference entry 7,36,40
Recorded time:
12,58,32
